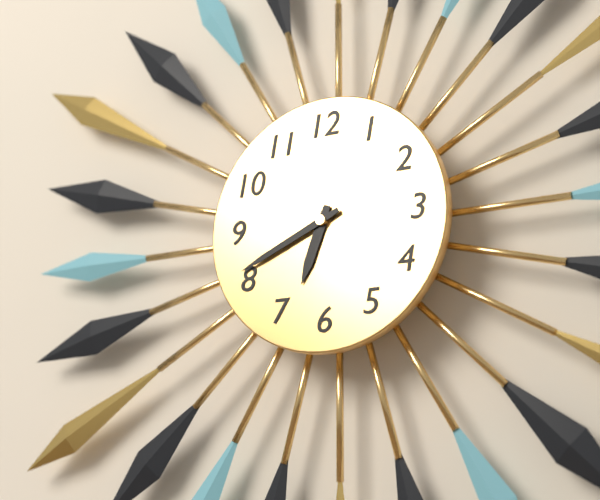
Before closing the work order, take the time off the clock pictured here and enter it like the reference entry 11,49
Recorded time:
6,41
